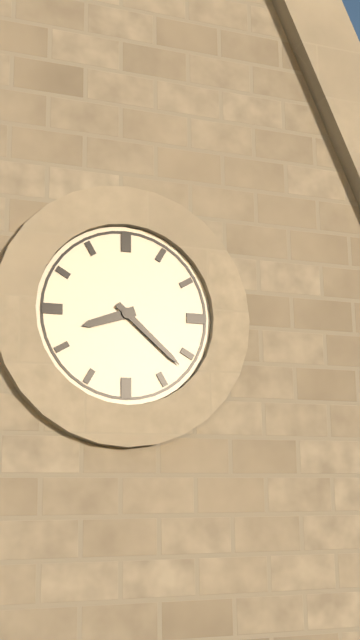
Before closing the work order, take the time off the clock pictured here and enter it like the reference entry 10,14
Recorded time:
8,22
